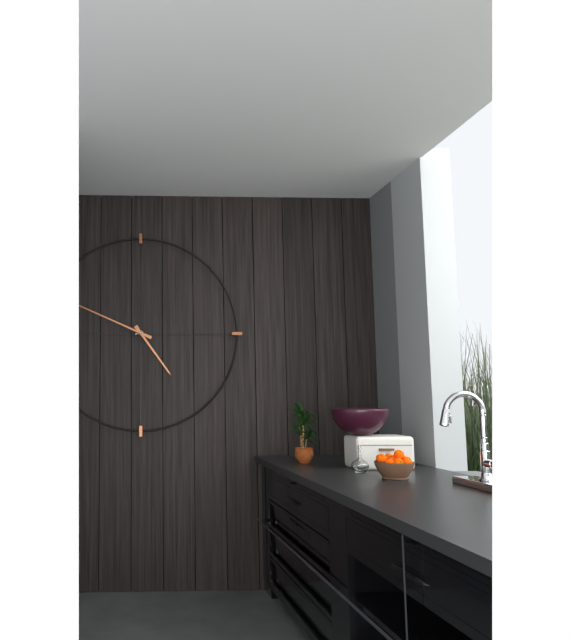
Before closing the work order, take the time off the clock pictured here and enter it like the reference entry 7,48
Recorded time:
4,49
